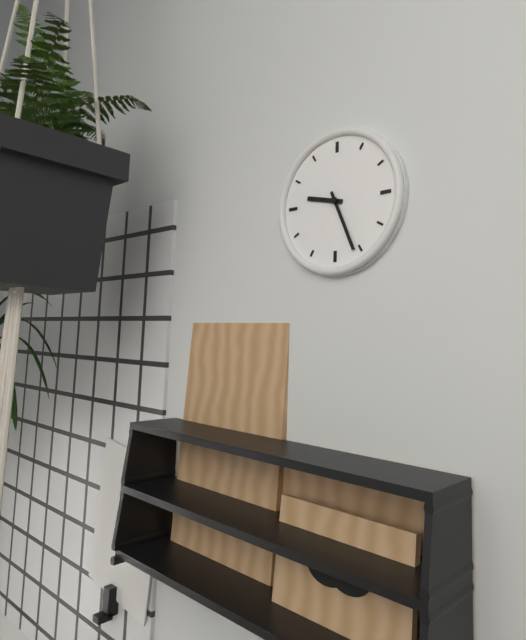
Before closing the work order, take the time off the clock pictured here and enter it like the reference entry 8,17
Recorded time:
9,26
